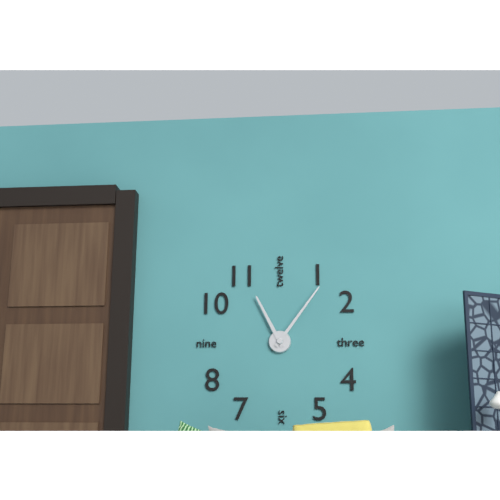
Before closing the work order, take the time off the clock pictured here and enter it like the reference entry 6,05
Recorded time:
11,06
